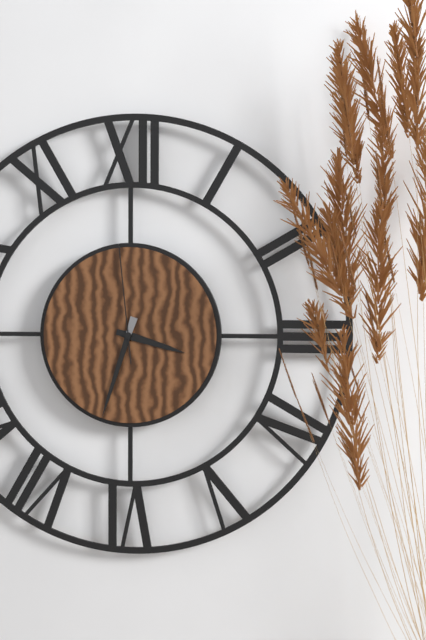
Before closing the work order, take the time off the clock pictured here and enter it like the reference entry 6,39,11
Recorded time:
3,33,59
